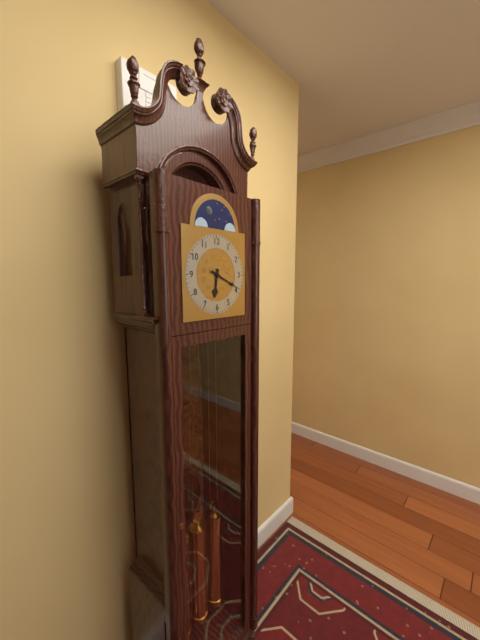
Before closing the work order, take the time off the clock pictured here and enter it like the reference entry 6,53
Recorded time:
6,19
